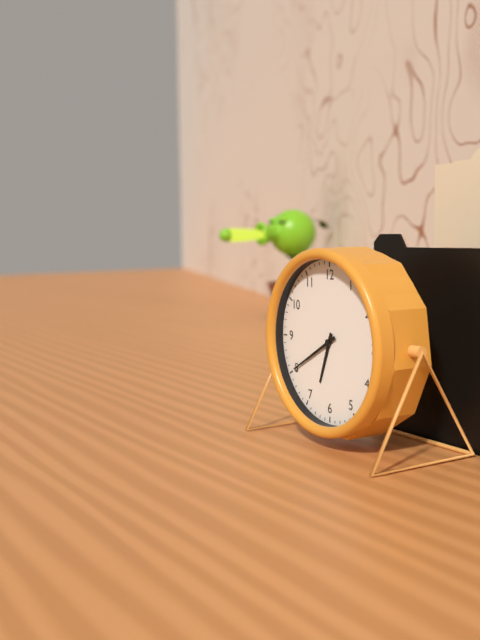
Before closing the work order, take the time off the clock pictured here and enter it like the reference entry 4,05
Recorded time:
6,40
